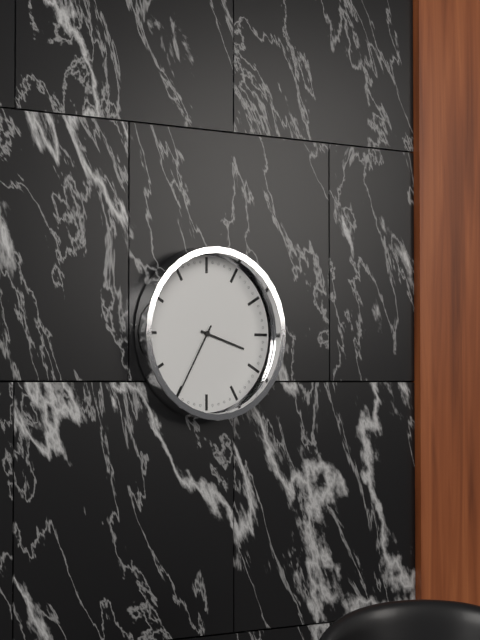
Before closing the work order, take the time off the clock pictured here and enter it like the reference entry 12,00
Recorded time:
3,35
